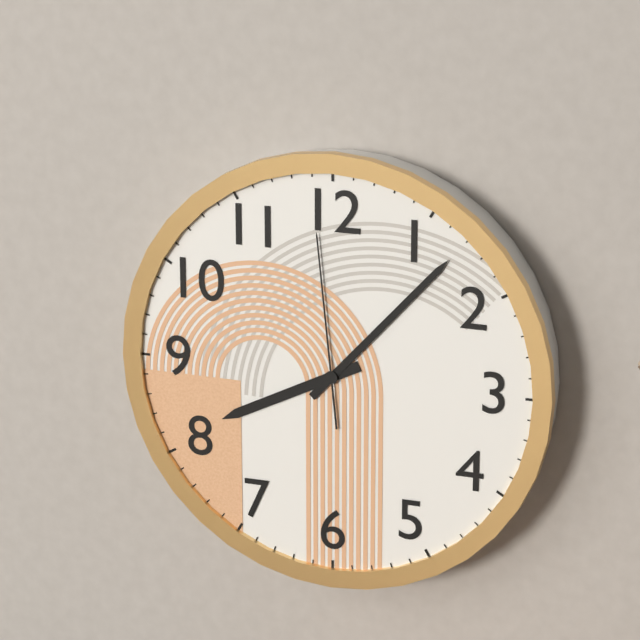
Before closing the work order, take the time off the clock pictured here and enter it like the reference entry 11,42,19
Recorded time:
8,07,59
